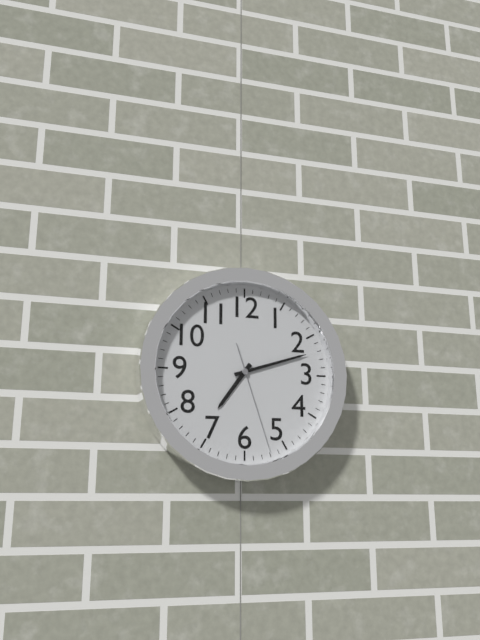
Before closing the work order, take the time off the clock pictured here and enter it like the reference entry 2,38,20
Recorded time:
7,12,27
